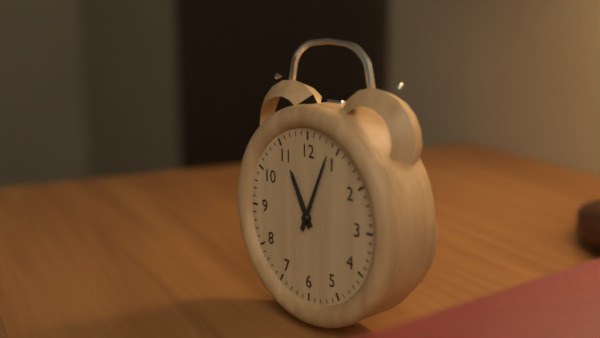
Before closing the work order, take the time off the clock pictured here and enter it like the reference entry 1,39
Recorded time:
11,04
